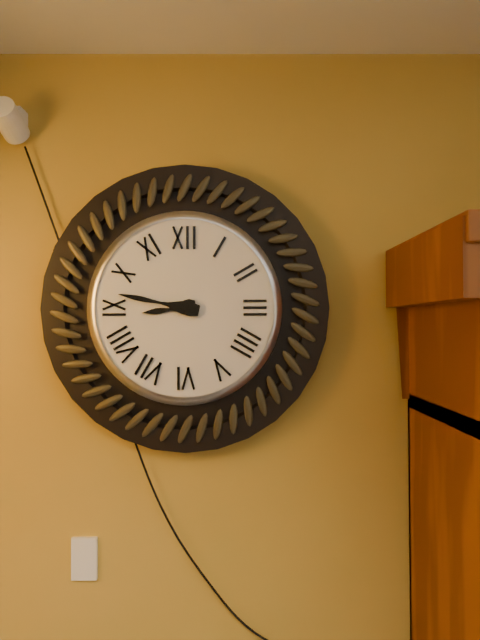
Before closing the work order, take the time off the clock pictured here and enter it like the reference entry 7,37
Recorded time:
8,47
